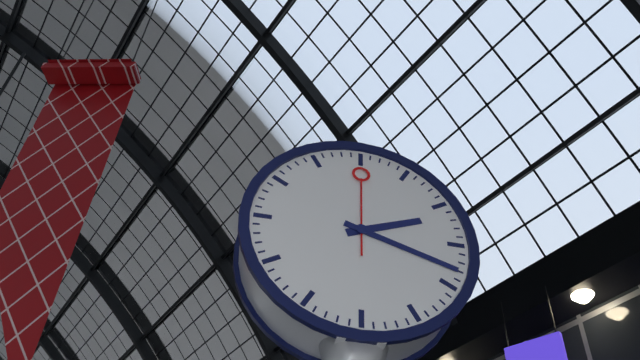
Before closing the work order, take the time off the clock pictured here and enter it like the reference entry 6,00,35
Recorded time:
2,18,00
